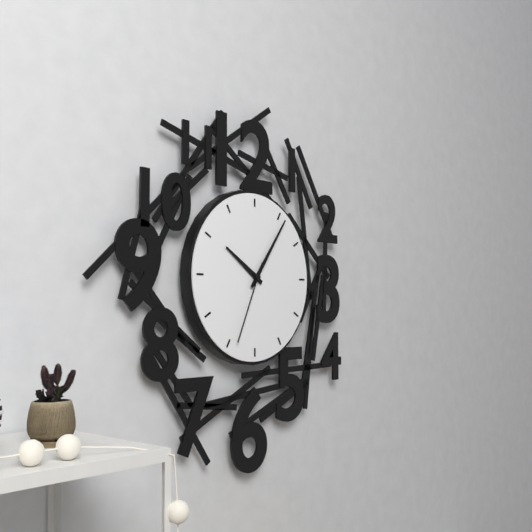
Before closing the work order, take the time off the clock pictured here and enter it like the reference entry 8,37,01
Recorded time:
10,06,34
